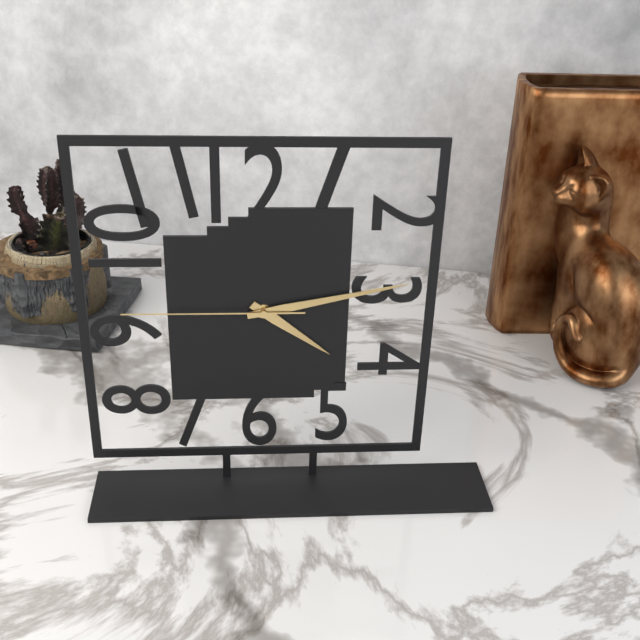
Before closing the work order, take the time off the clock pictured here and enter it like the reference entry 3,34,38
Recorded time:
4,13,45
